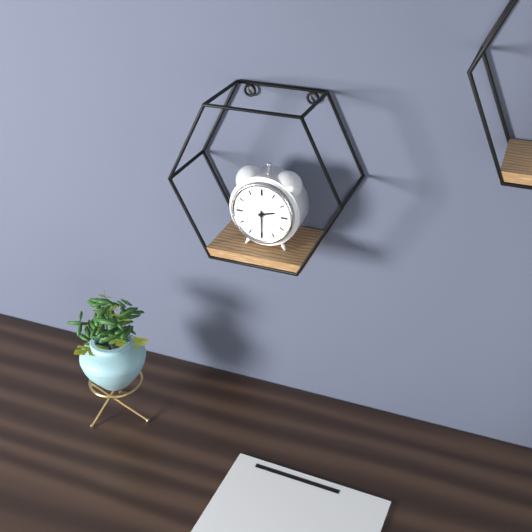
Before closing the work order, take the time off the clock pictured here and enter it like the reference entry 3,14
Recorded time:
2,30
